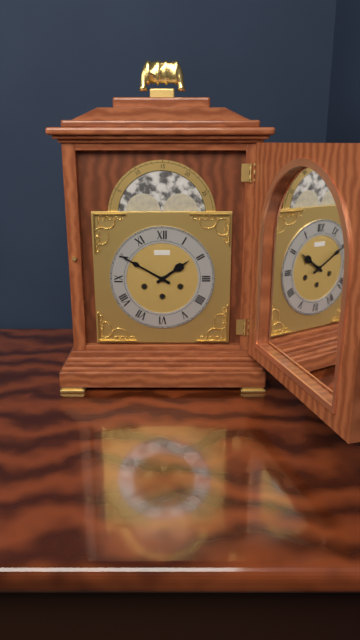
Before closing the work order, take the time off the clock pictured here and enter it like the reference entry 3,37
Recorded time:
1,50
